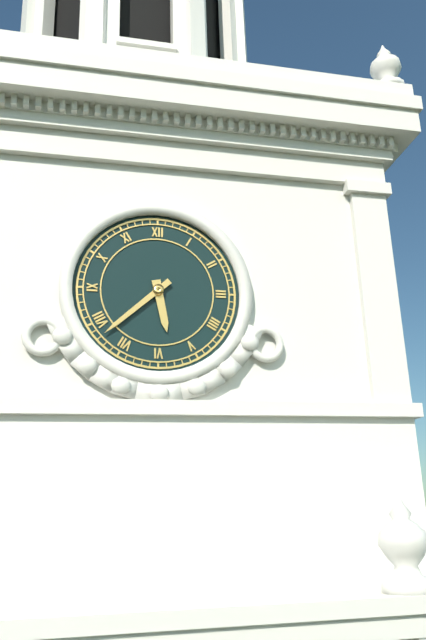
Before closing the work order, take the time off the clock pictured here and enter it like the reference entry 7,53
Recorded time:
5,38
